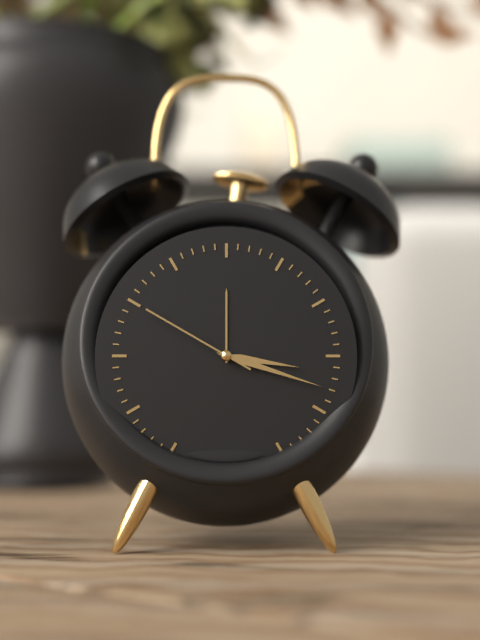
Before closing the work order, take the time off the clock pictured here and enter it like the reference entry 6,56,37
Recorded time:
3,18,50
